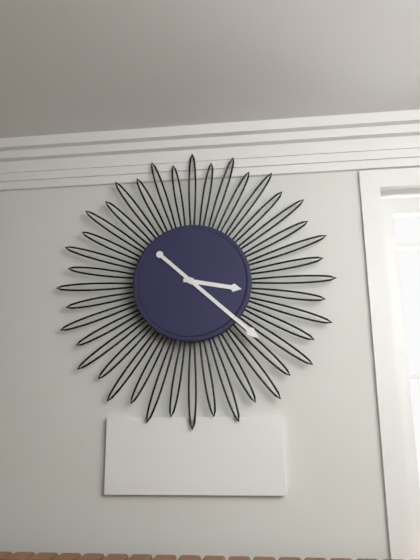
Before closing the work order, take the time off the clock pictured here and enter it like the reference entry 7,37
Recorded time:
3,22
